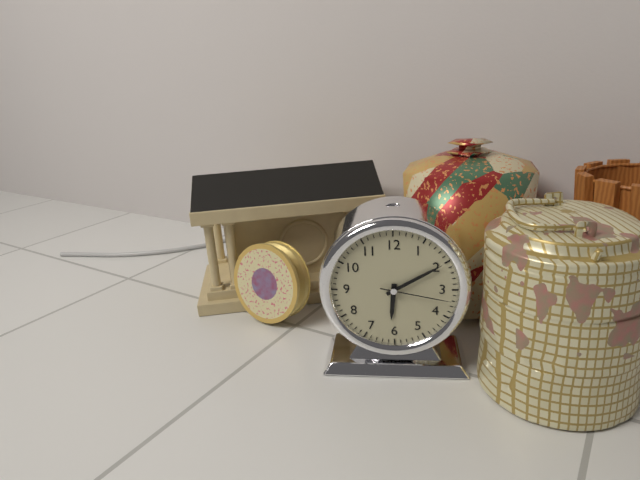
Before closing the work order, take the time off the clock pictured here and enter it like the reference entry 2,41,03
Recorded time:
6,10,17
